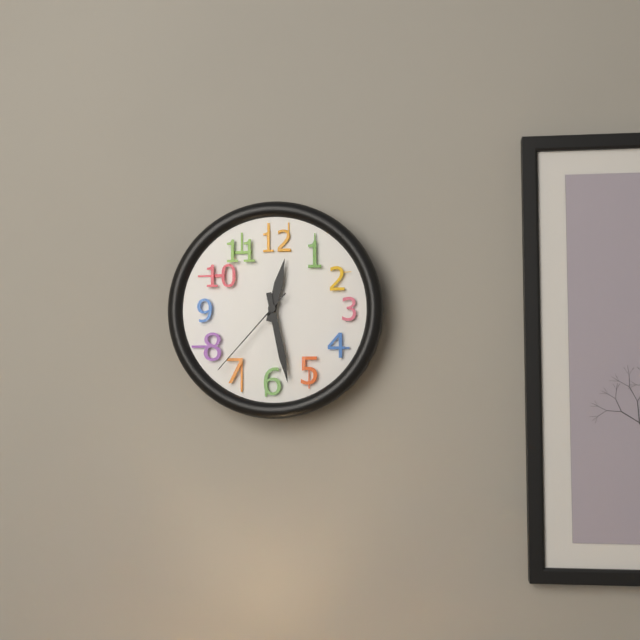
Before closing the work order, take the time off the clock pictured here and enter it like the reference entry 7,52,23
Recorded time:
12,28,37
